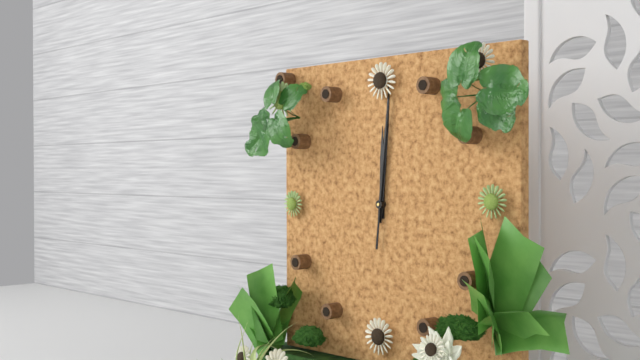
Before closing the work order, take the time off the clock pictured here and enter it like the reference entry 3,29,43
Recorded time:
12,01,01
